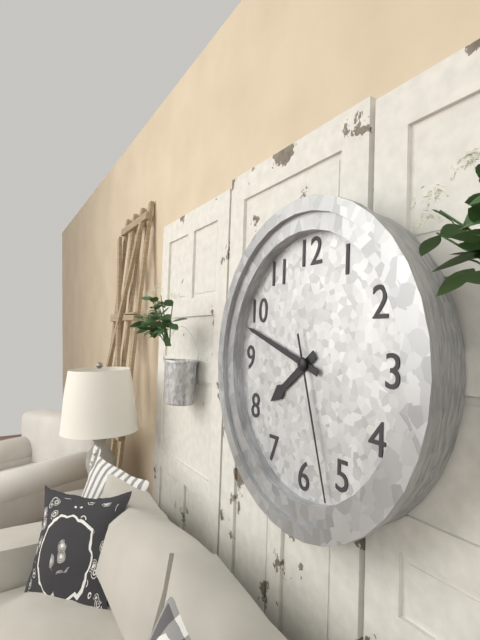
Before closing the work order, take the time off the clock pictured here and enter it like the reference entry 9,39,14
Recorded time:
7,48,27
